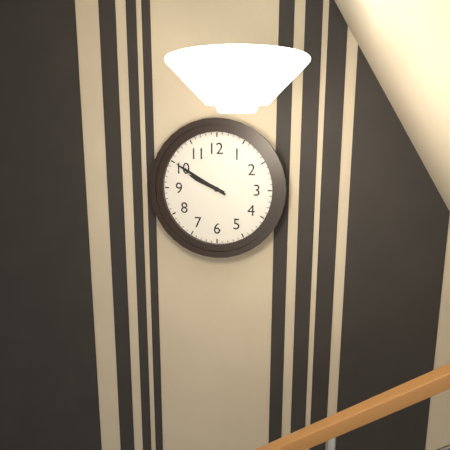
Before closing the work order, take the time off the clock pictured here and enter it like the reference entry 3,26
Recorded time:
9,50
